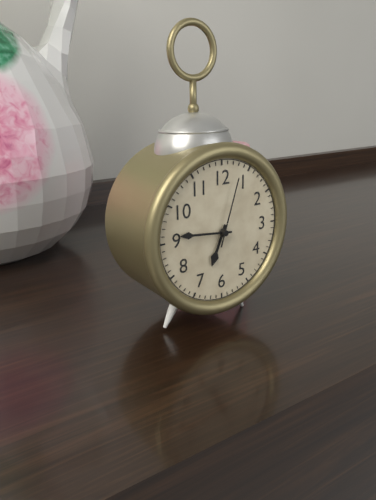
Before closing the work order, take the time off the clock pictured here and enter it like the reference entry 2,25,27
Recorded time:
6,46,03
